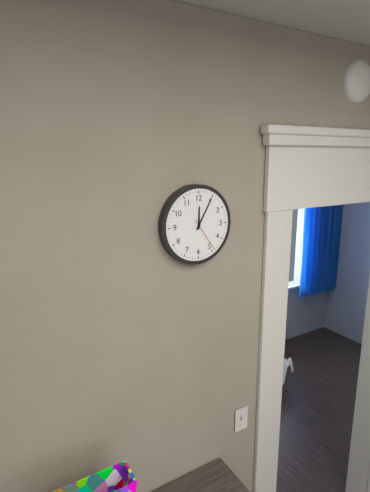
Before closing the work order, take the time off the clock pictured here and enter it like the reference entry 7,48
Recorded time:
12,05
